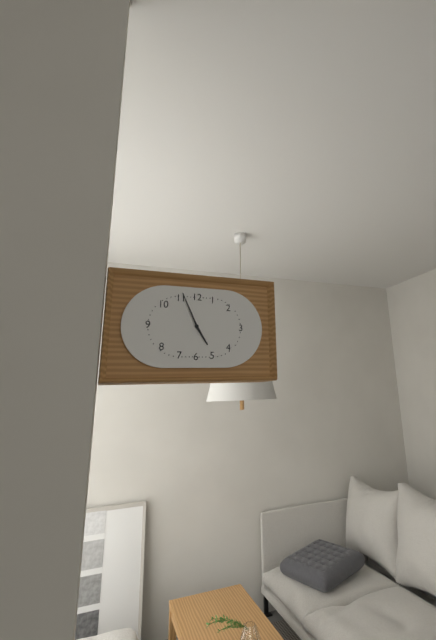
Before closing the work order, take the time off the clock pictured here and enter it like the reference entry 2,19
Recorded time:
4,56
